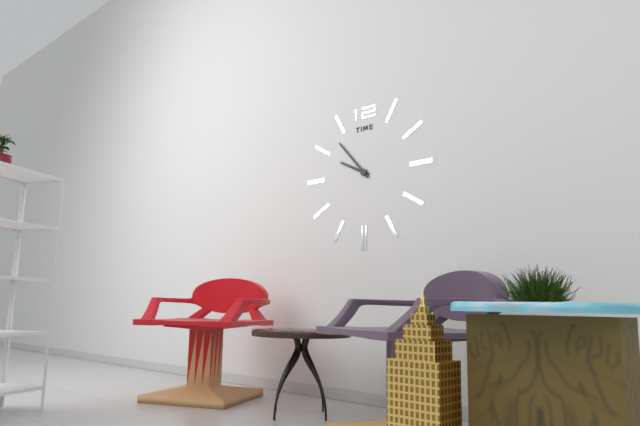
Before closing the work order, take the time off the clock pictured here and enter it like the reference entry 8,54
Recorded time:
9,53
